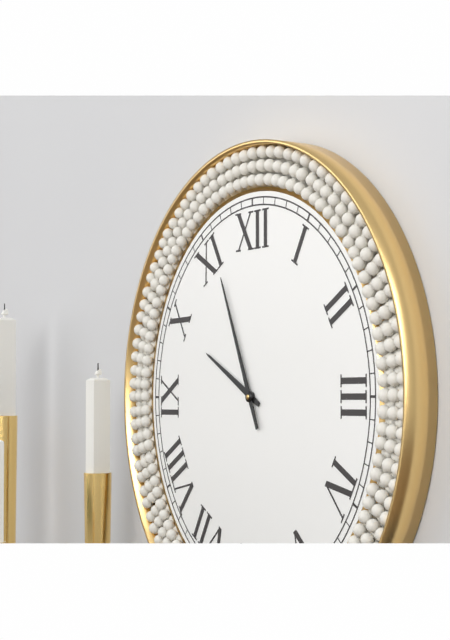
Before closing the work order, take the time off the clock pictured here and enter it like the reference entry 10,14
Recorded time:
9,56
